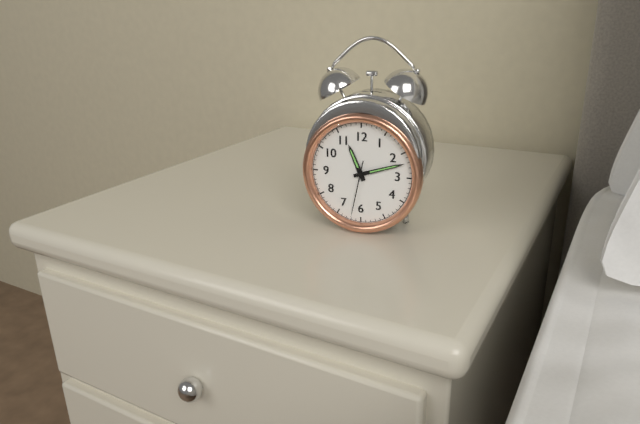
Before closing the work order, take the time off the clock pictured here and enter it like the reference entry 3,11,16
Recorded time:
11,12,32
